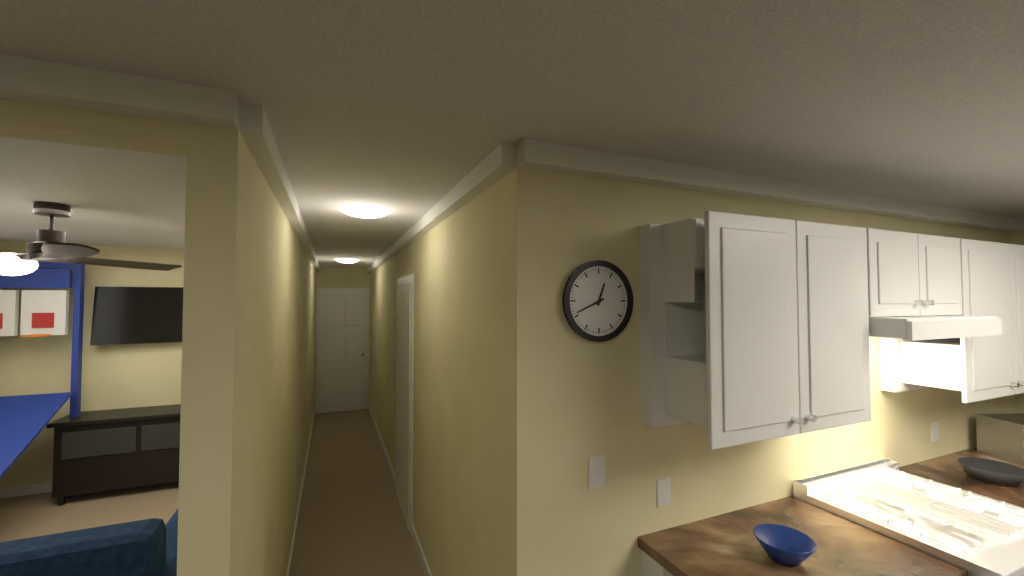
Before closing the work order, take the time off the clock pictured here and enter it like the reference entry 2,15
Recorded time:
12,41
